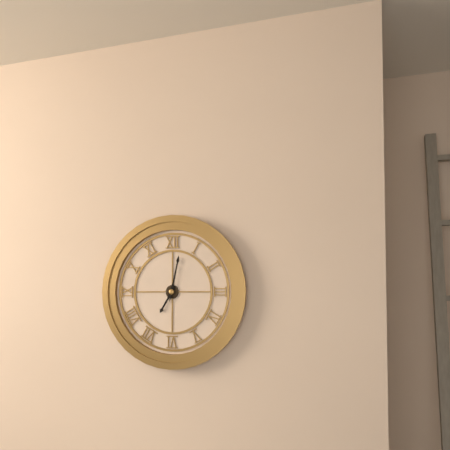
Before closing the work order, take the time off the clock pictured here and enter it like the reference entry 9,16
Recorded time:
7,02
